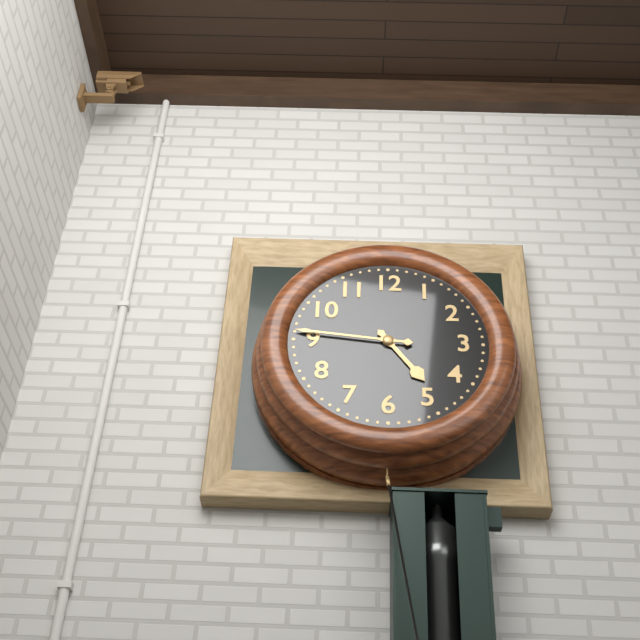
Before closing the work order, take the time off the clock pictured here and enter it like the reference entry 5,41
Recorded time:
4,46
